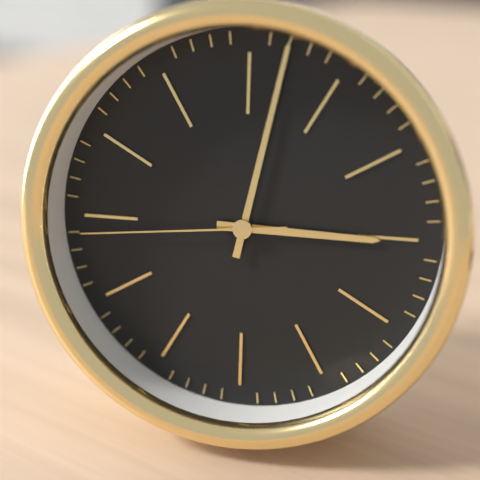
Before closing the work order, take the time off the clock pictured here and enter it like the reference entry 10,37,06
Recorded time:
3,02,44
